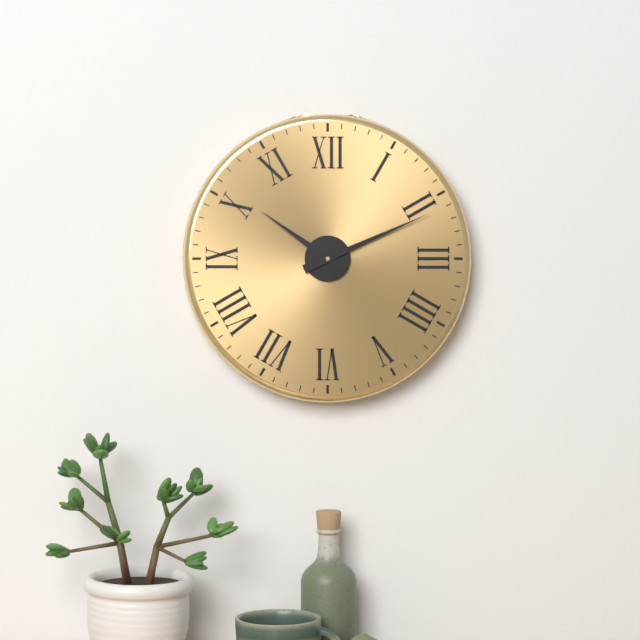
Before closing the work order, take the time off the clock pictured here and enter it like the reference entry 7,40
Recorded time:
10,11
